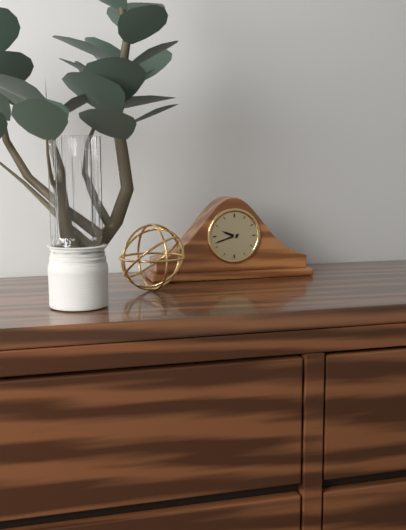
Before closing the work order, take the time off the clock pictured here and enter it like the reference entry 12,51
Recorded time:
9,42
